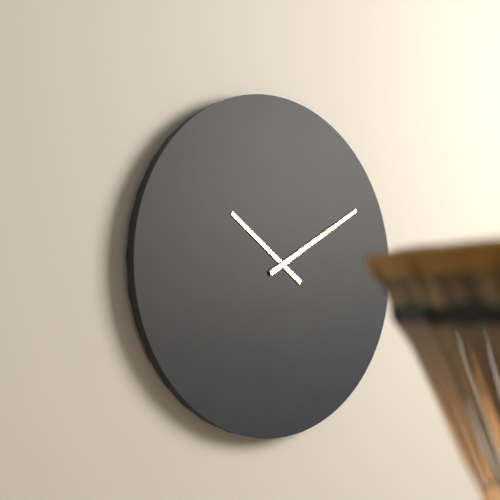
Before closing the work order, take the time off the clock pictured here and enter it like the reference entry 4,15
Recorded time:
10,10
